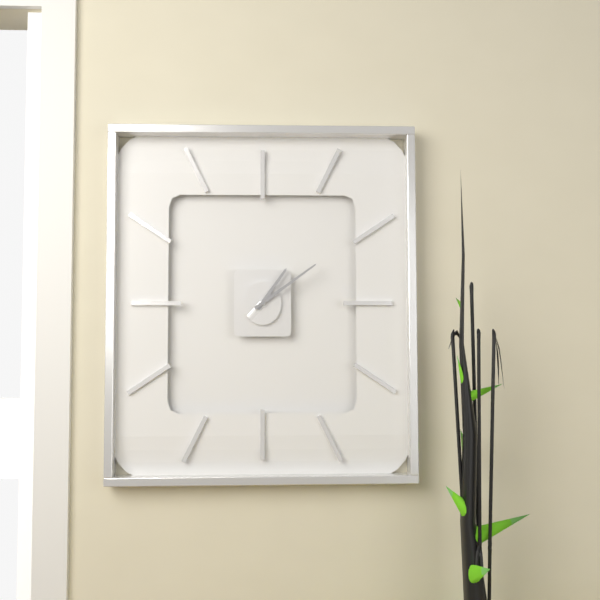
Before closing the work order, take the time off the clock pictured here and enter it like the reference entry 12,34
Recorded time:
1,09
